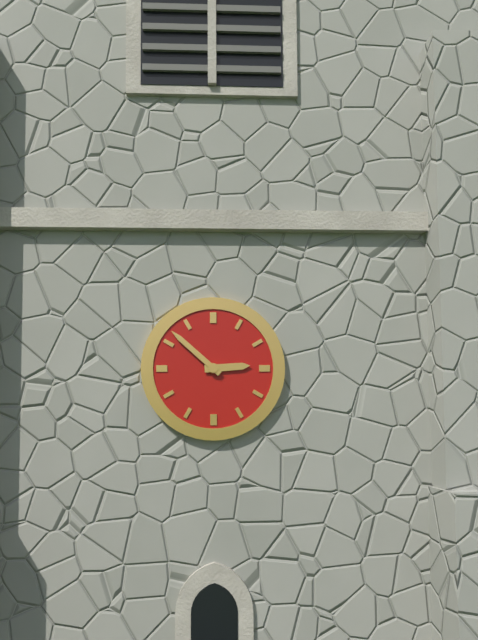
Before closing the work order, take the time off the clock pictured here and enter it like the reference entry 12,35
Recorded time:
2,52
